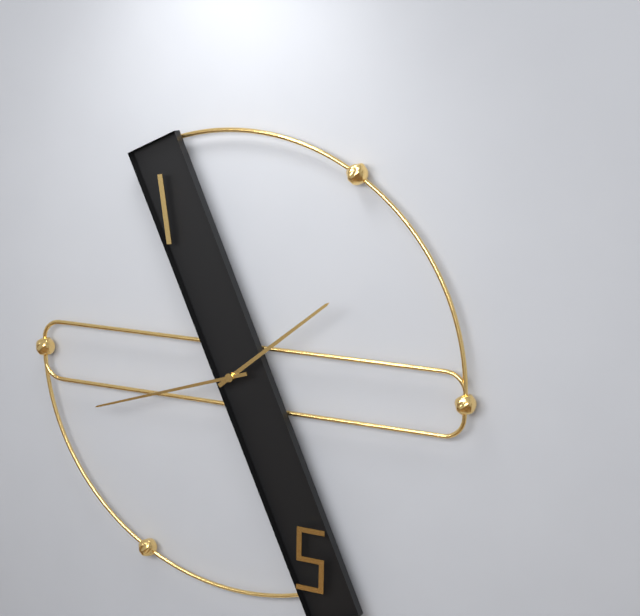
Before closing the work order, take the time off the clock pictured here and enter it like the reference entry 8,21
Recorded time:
1,42
